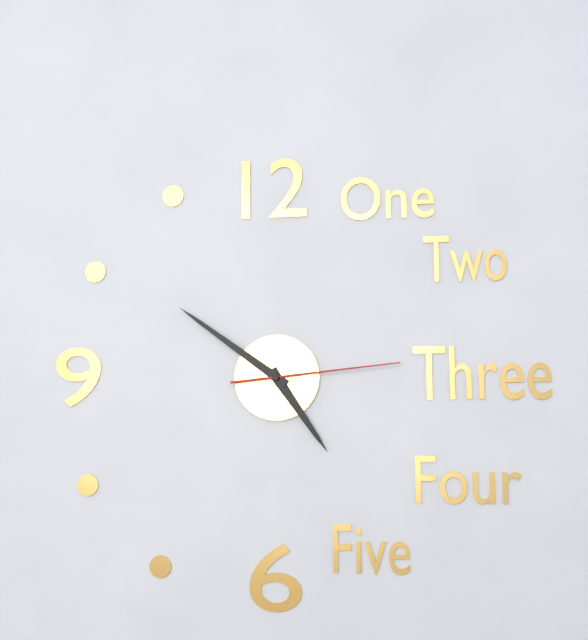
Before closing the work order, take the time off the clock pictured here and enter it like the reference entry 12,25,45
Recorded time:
4,51,14
